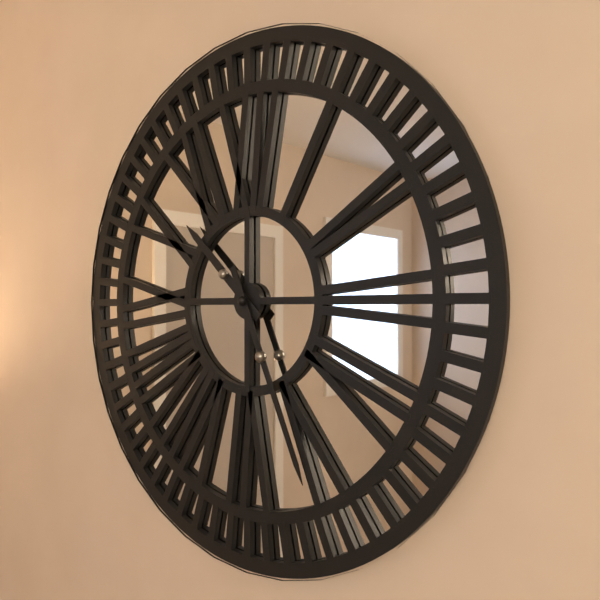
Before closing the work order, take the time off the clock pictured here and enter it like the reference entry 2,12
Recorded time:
10,26
